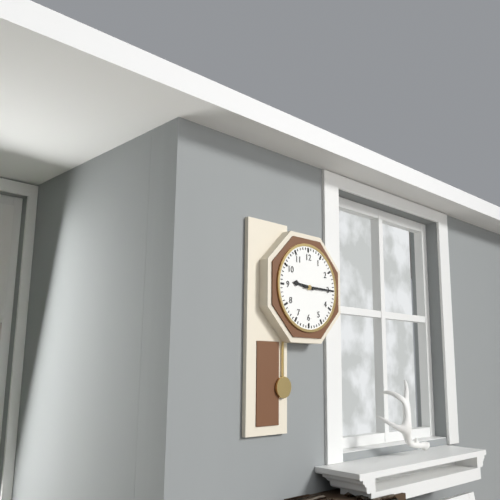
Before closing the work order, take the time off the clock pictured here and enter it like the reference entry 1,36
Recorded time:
9,15
